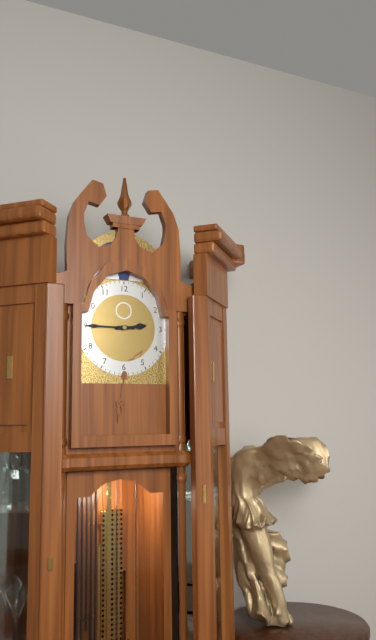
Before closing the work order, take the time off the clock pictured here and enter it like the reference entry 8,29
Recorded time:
2,45
